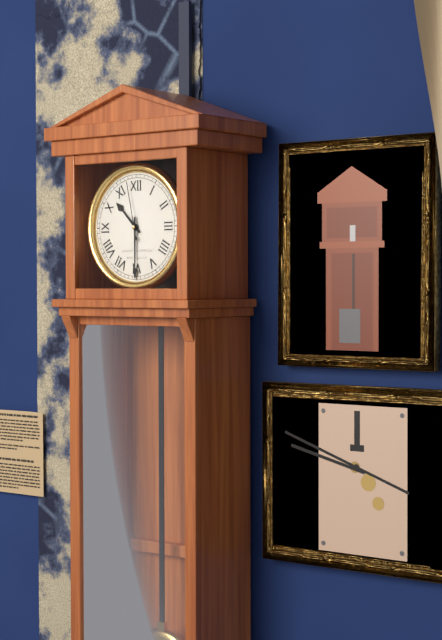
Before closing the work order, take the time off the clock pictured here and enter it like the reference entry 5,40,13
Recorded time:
10,30,58
